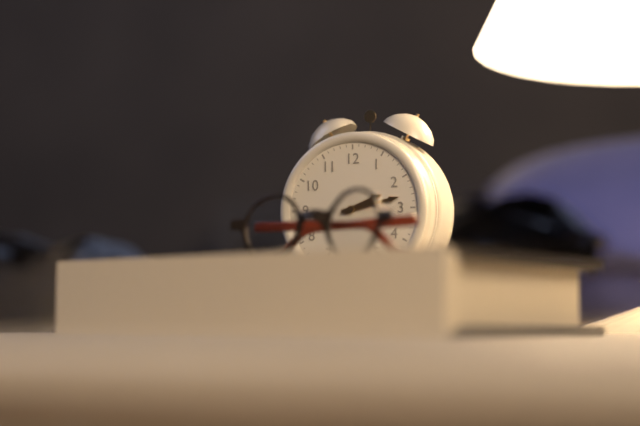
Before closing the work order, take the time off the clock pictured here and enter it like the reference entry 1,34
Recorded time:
2,13
